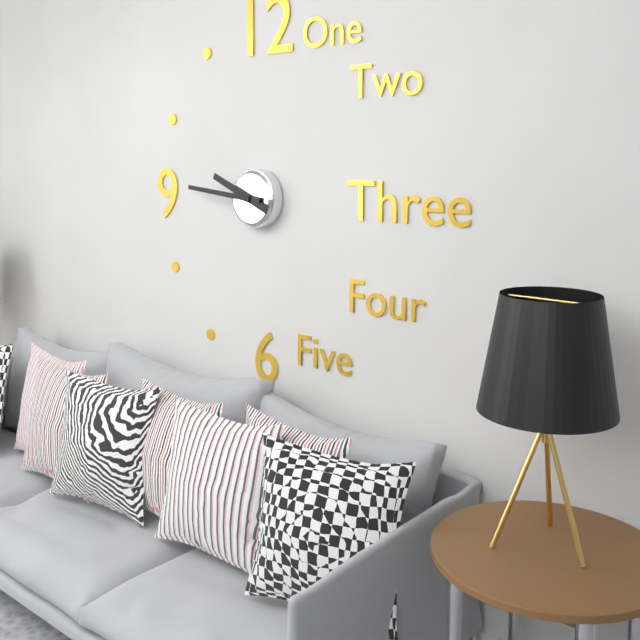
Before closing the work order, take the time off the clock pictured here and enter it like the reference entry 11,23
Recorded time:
9,46
